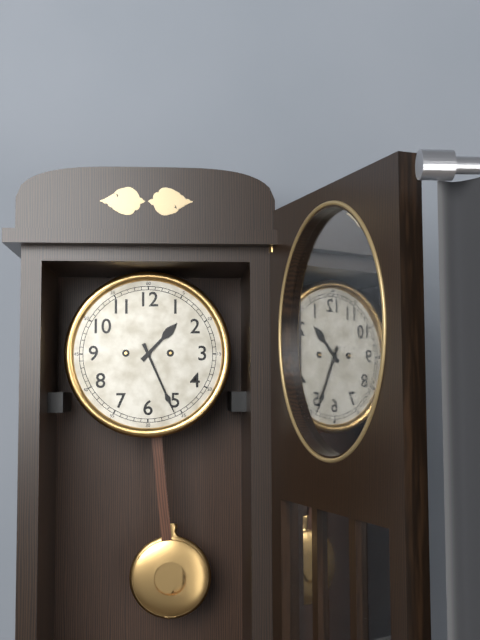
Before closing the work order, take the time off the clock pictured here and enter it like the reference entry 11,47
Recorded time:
1,26
